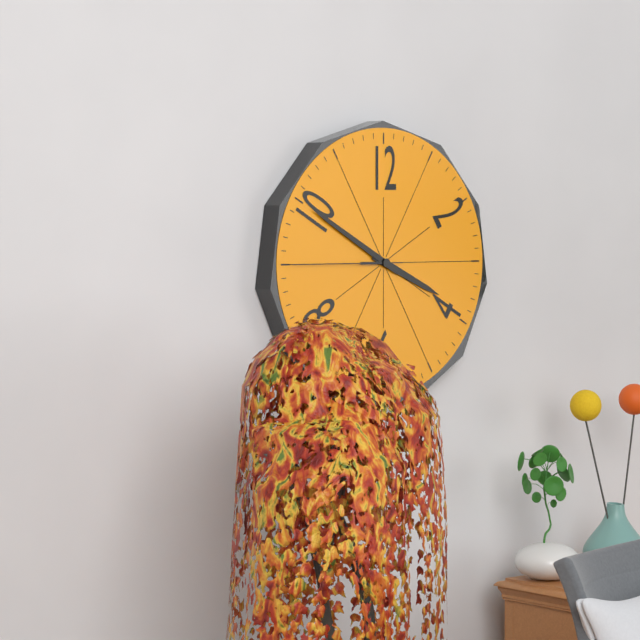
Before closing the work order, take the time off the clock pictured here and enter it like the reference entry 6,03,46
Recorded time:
3,50,45
